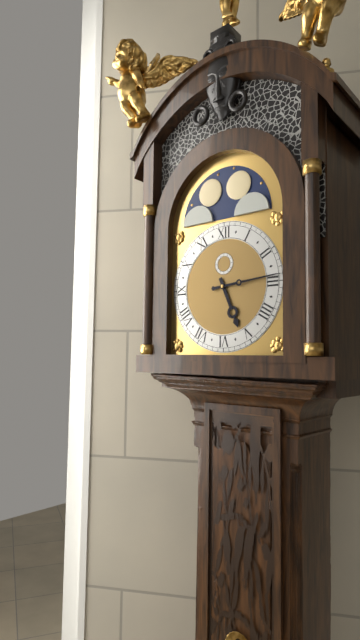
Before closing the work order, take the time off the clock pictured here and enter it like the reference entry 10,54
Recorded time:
5,14
